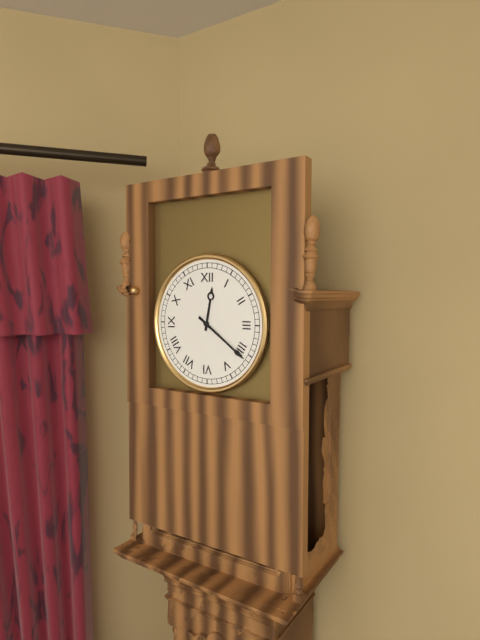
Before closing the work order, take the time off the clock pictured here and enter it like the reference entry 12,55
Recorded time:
12,21
